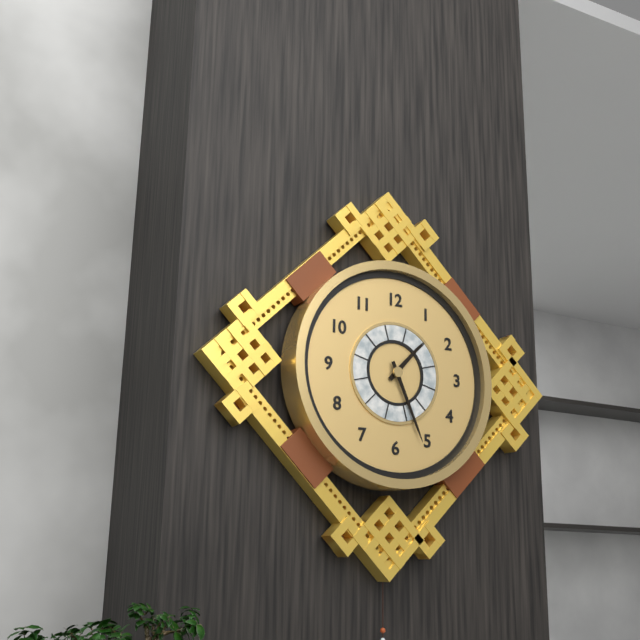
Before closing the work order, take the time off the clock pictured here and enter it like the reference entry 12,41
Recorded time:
1,26
